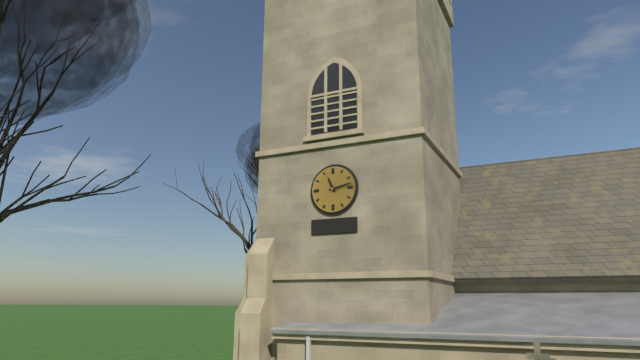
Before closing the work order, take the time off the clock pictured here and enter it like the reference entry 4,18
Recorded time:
11,13
